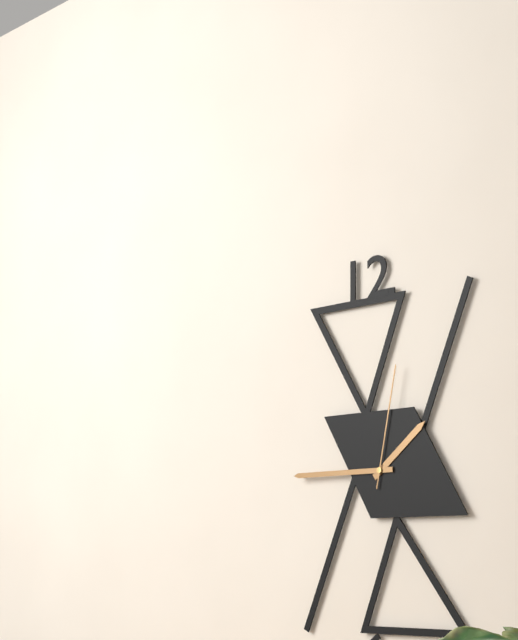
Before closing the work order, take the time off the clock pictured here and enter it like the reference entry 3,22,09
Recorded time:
1,45,02
